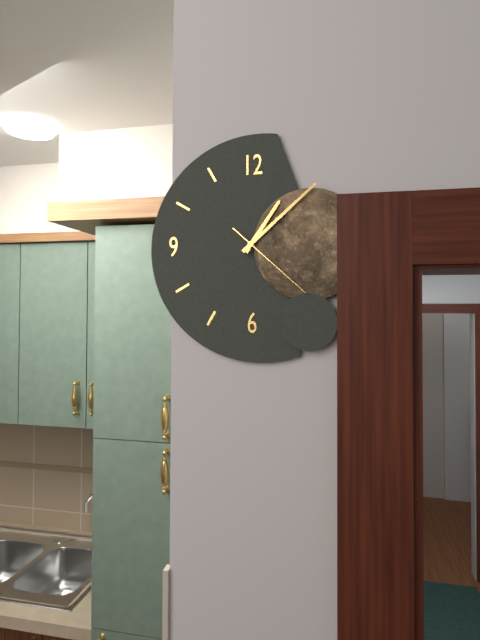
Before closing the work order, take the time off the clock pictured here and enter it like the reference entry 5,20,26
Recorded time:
1,08,22
